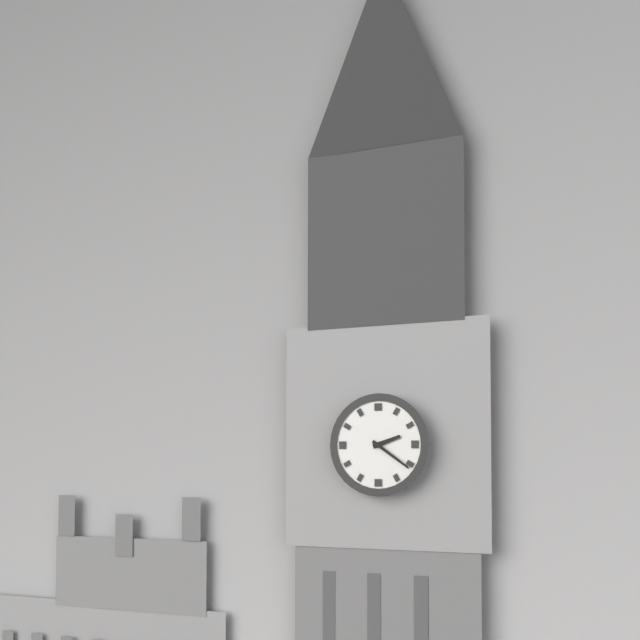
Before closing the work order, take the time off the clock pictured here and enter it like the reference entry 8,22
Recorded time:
2,21
